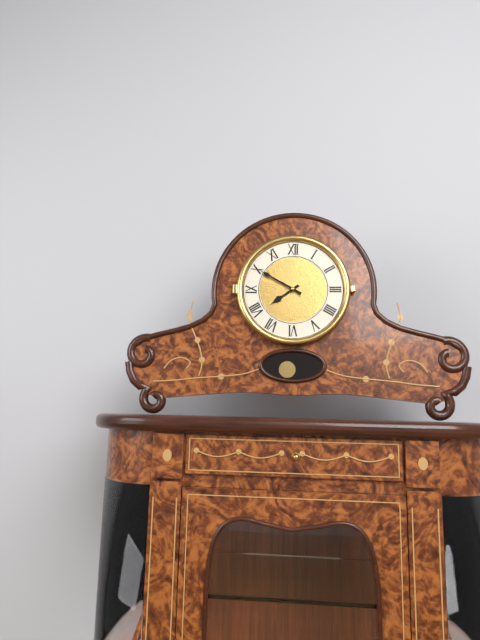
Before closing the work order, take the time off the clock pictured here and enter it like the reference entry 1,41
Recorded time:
7,50
